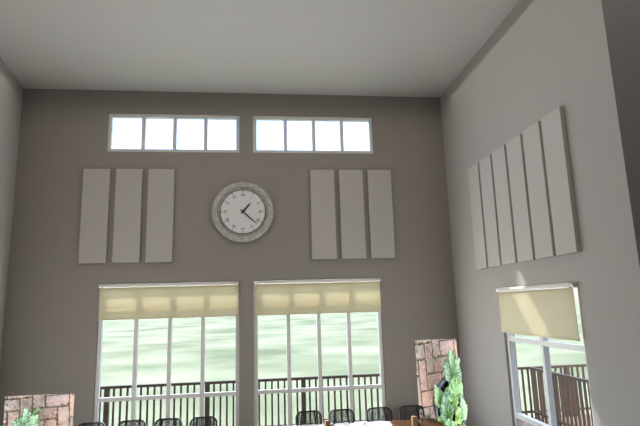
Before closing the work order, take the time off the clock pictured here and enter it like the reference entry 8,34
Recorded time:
1,22
